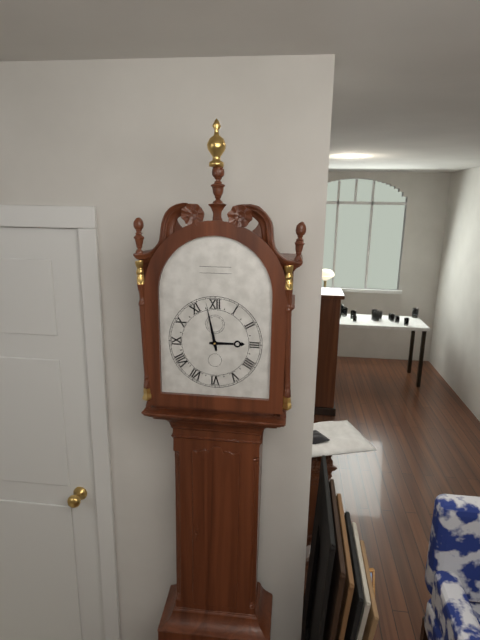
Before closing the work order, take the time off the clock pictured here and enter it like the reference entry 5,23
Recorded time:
2,58
